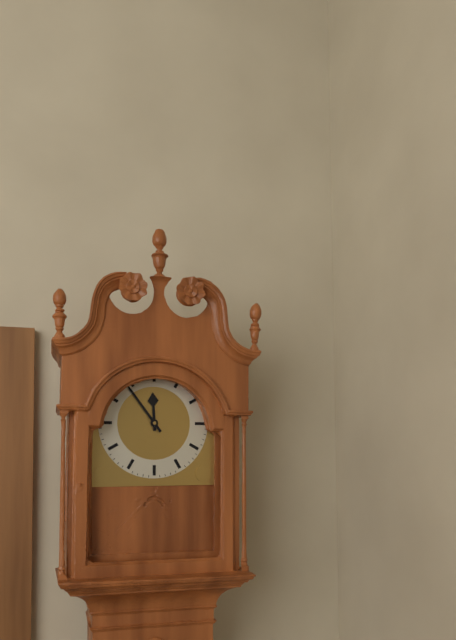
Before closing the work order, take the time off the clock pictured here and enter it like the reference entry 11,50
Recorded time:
11,54
